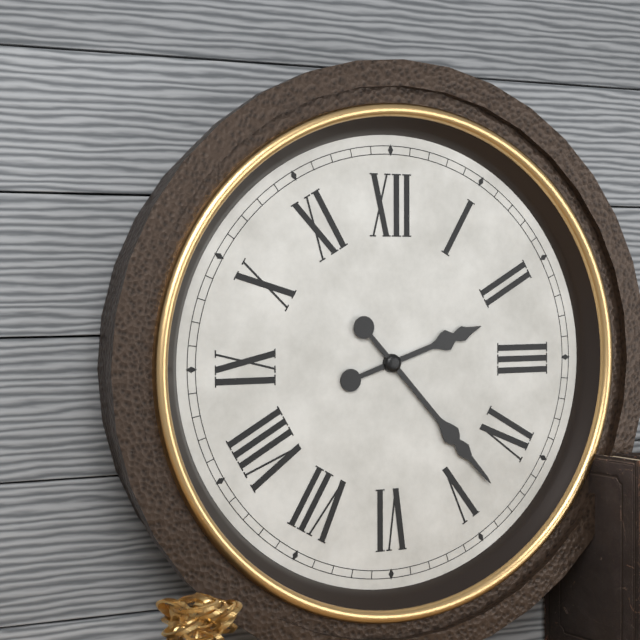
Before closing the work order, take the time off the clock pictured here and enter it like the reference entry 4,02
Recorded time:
2,23
